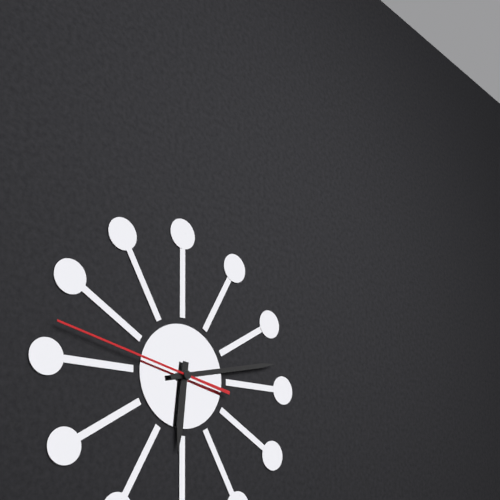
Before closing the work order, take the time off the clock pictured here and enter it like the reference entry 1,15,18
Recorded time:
6,13,47
